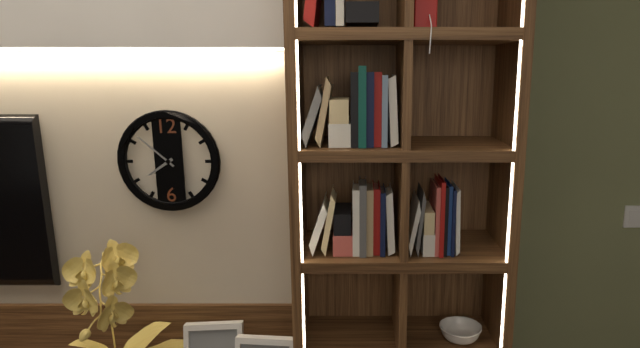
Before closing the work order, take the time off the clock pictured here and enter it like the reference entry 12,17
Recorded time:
7,52
